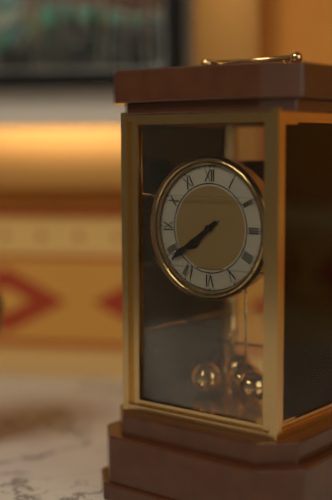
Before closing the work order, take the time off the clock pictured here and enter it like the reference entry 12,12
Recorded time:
7,39
